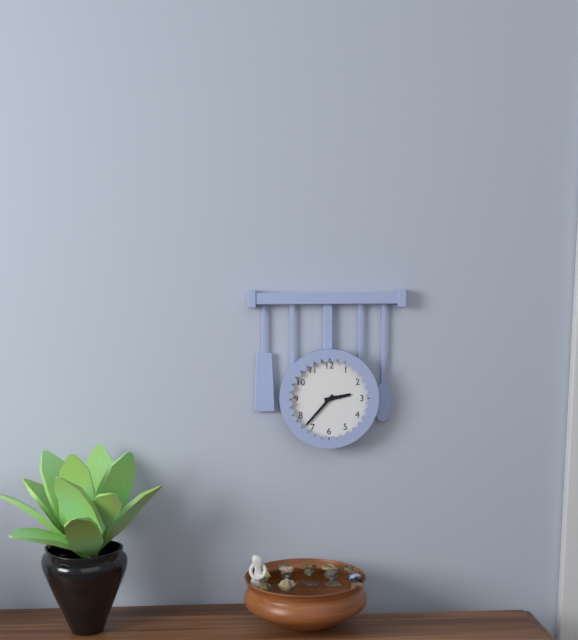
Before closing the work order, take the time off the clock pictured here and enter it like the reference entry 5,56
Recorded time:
2,37
